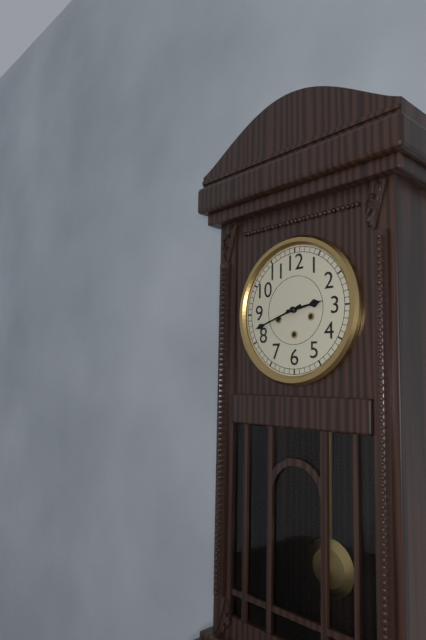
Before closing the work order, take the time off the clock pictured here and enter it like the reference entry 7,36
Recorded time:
2,42
